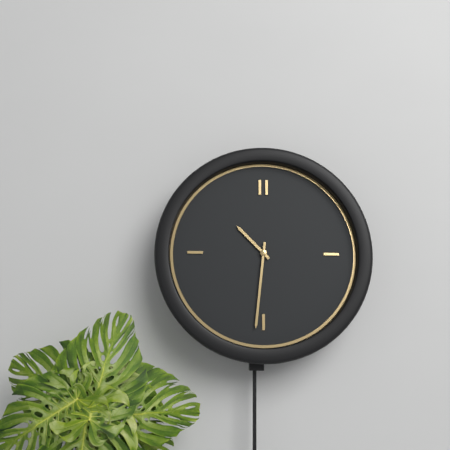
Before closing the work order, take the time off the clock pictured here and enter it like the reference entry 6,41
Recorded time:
10,31
